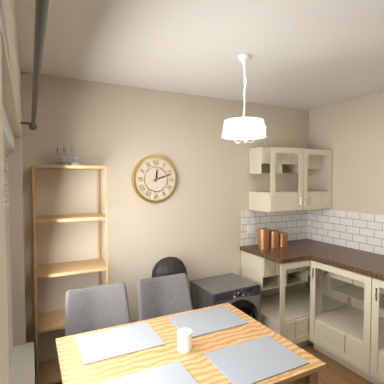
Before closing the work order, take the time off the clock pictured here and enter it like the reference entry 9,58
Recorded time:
12,12
